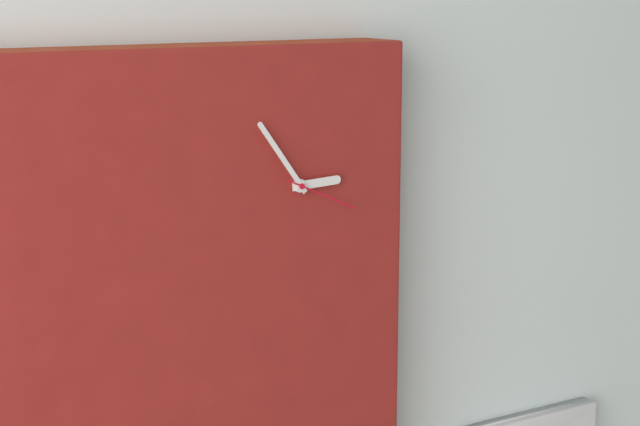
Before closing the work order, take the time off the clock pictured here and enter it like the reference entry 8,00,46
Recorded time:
2,54,19
